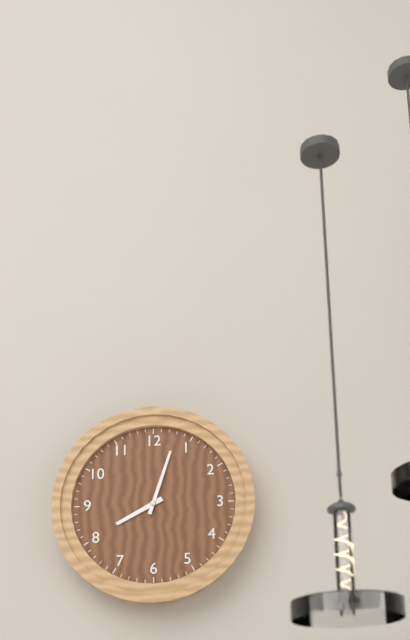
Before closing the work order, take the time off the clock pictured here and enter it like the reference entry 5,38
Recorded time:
8,03
